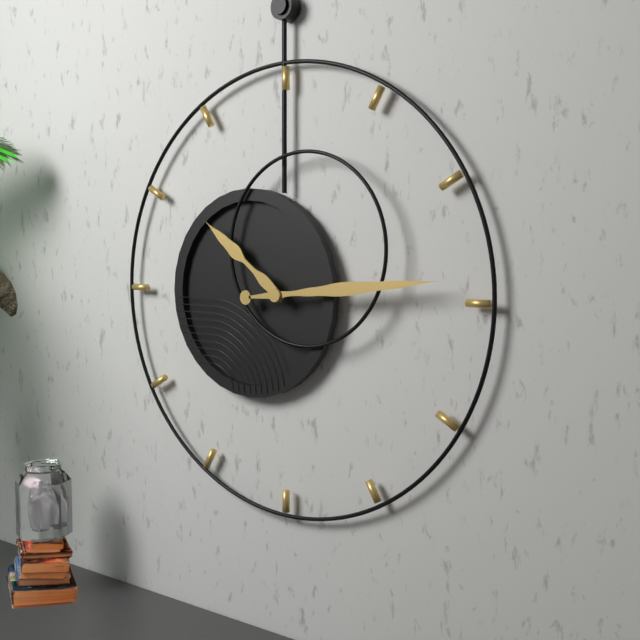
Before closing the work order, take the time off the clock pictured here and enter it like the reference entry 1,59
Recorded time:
10,14
